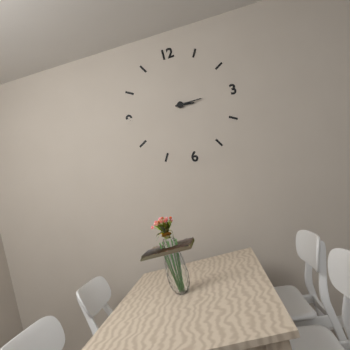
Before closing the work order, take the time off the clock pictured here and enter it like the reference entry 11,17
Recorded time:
3,15
